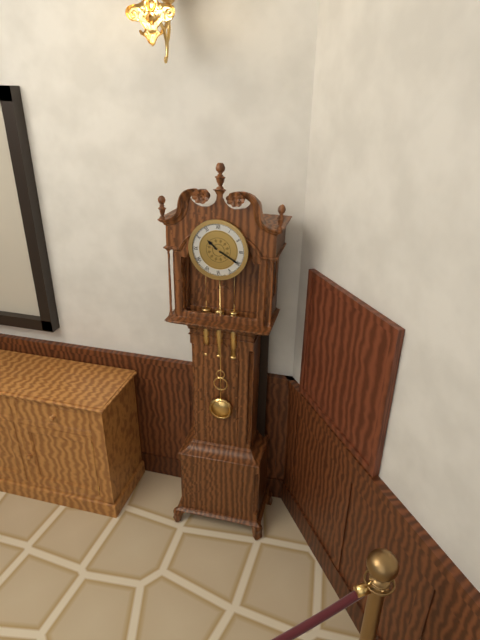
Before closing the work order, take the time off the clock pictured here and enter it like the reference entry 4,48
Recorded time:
10,20
